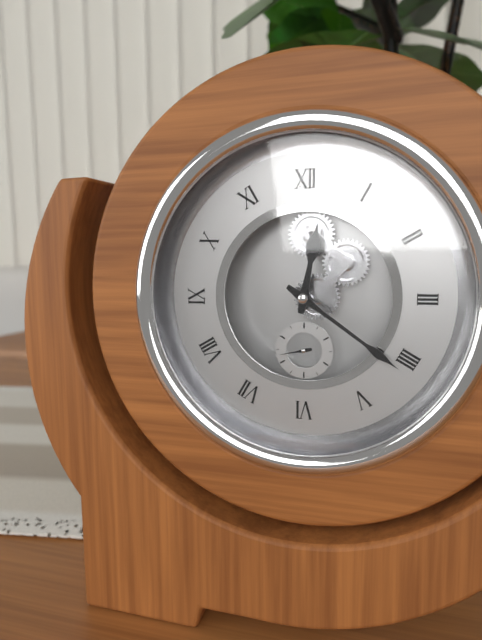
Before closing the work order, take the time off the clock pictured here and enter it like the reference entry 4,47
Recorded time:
12,21
